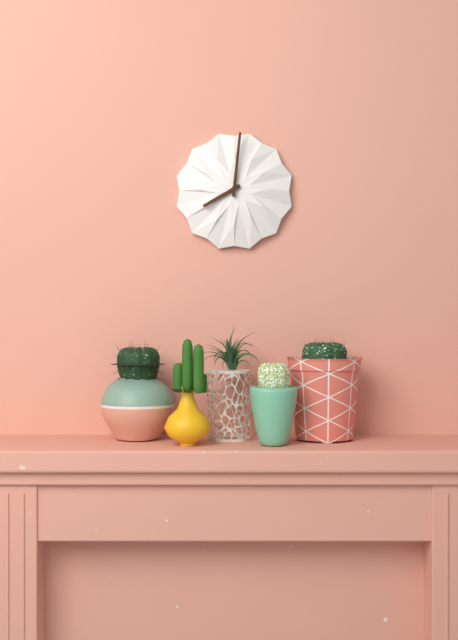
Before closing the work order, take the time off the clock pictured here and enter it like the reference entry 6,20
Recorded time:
8,01
